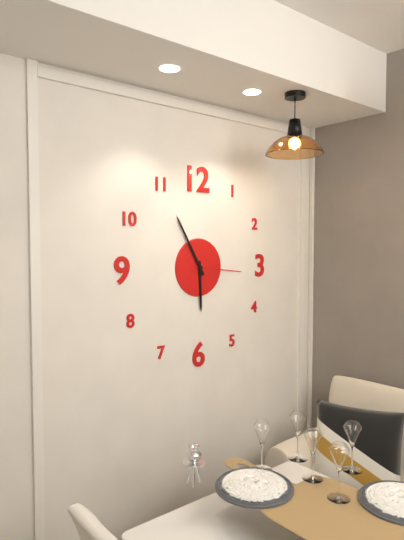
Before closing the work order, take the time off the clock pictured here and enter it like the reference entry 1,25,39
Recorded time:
5,55,16
